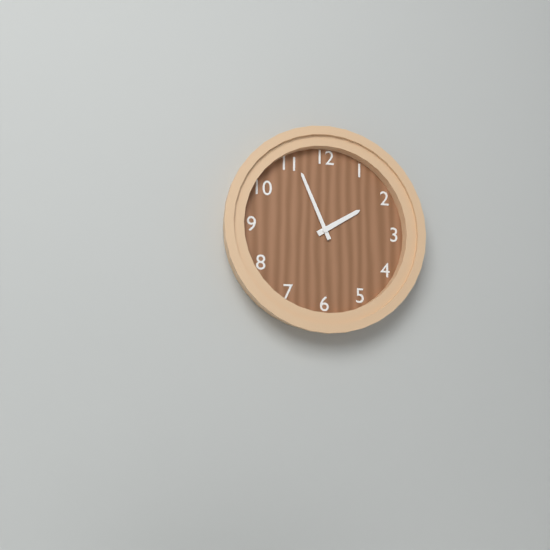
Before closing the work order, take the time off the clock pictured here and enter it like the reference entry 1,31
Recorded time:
1,56
